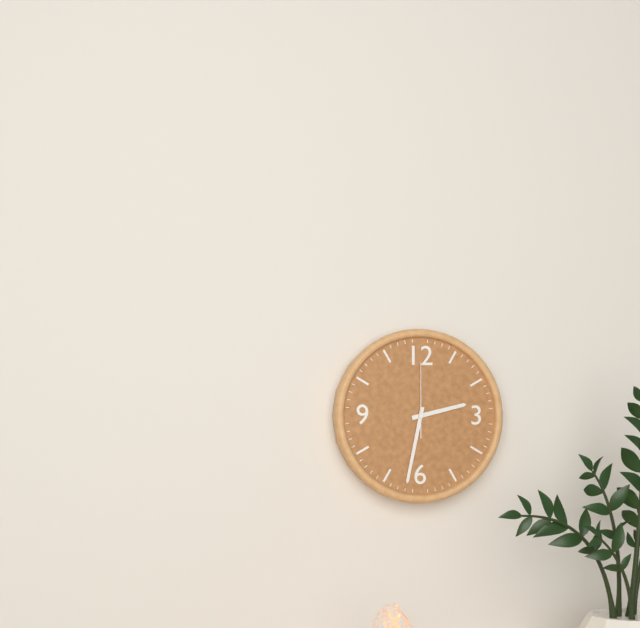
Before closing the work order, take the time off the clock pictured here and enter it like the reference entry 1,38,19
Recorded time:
2,32,00
